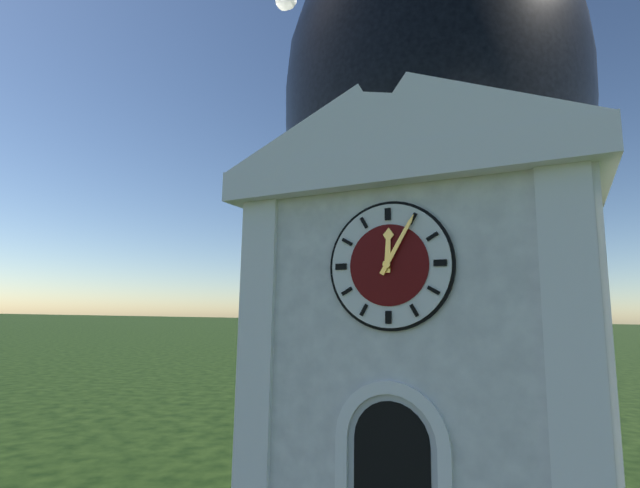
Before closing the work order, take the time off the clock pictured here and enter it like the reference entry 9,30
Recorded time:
12,05
